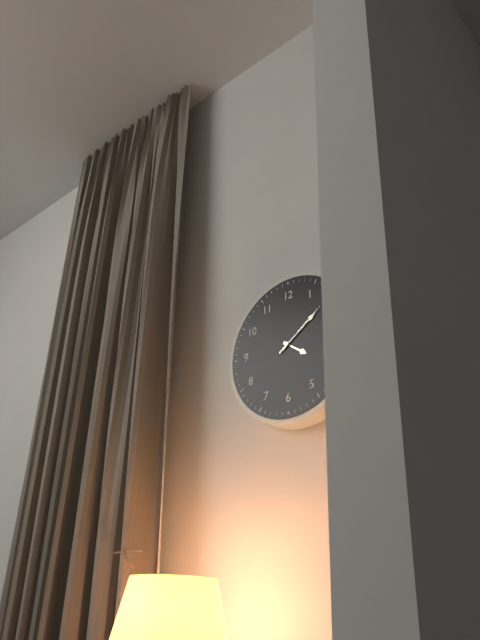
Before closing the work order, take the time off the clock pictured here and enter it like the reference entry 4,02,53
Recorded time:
4,09,09
